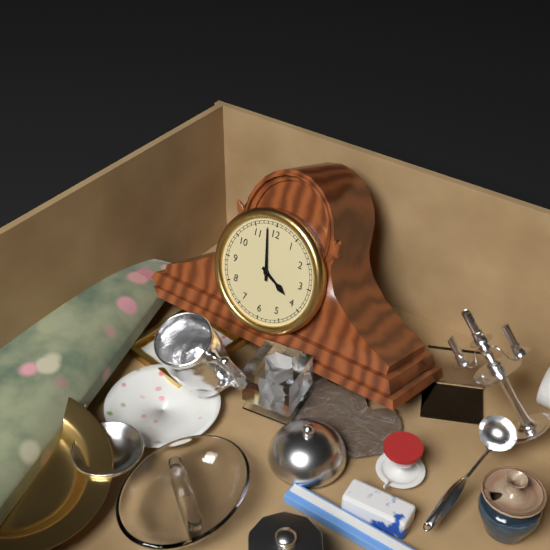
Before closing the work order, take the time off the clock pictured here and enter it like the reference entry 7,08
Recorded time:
3,58
